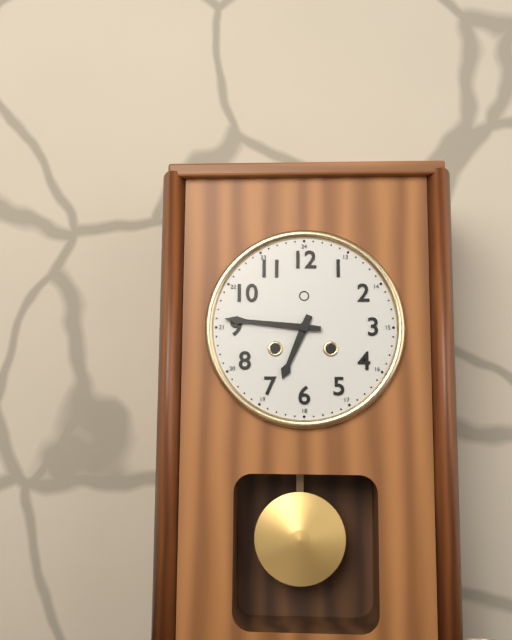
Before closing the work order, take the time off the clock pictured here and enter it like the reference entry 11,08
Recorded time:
6,46
